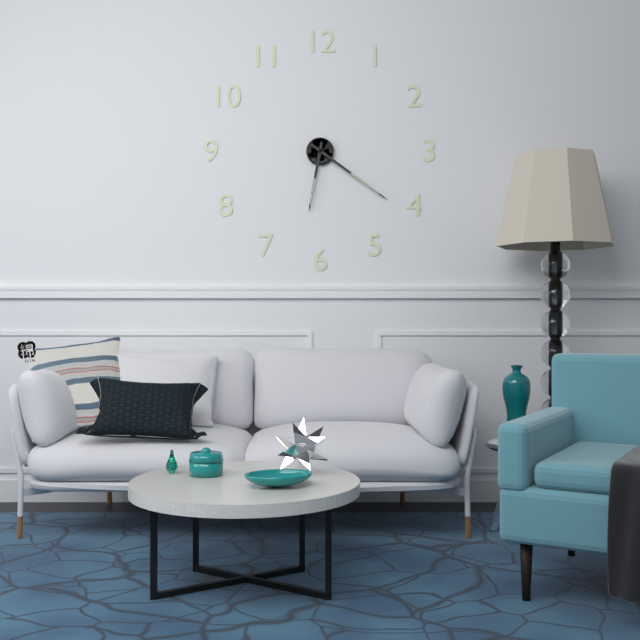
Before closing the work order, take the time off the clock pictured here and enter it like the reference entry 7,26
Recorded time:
6,21
